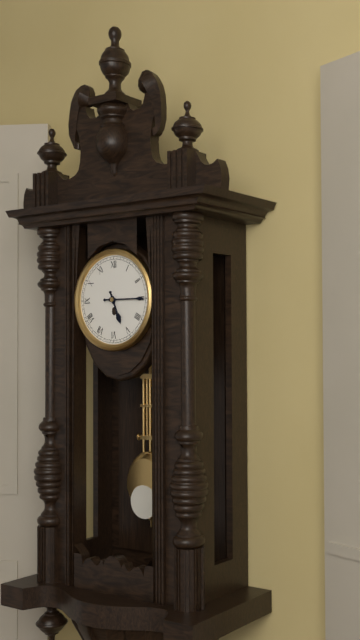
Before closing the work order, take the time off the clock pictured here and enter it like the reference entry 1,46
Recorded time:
5,15
